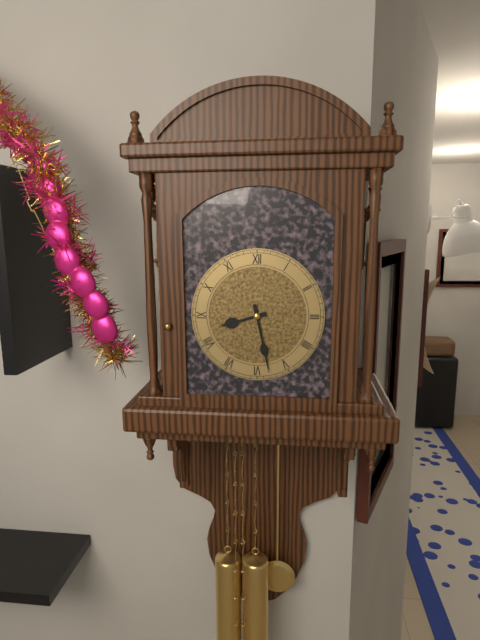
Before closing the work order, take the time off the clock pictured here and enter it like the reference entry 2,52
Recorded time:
8,28
